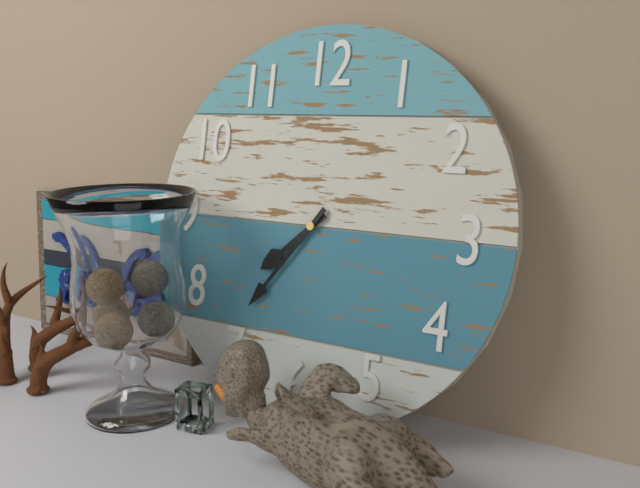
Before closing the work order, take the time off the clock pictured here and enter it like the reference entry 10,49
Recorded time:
7,36
